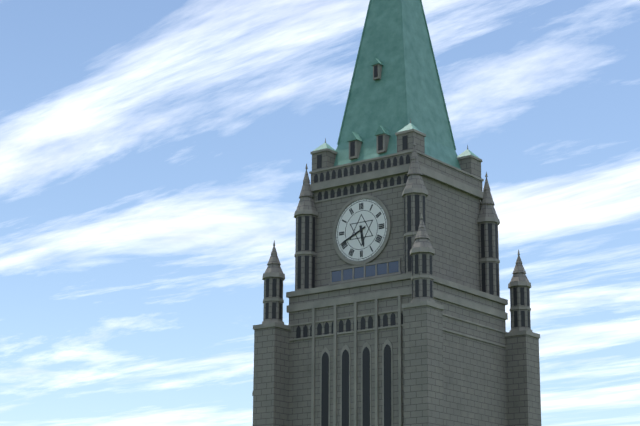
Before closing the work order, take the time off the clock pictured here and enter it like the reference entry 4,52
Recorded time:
5,41
